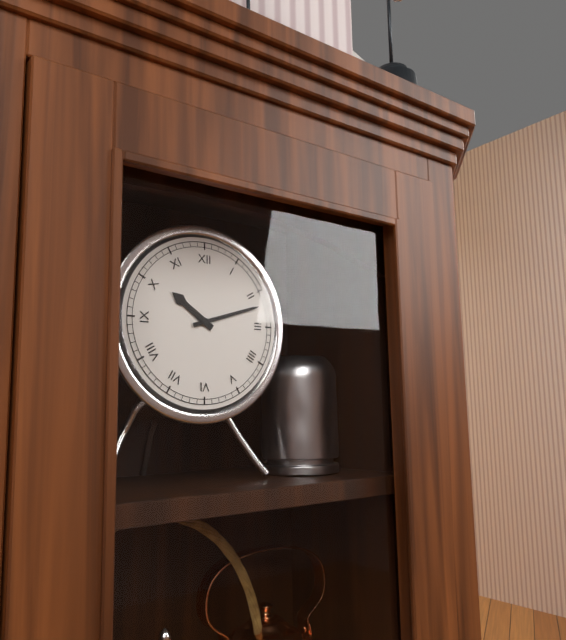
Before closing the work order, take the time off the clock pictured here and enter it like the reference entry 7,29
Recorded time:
10,12
